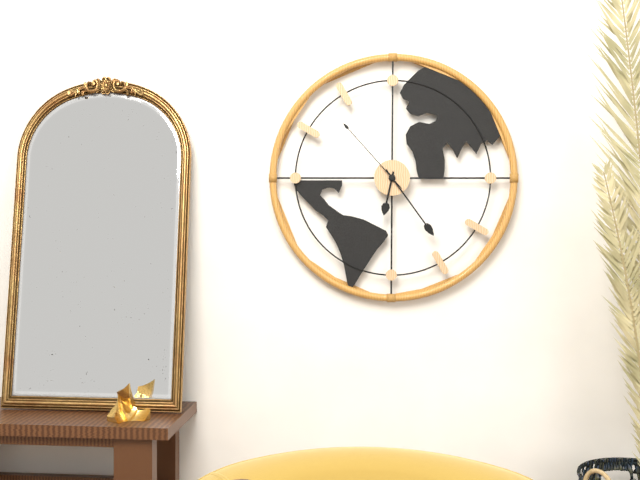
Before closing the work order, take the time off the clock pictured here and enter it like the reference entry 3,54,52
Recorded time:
6,24,53
